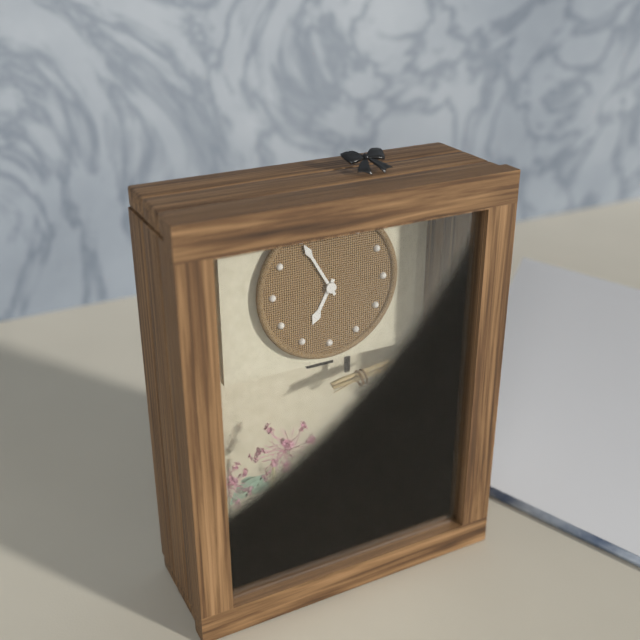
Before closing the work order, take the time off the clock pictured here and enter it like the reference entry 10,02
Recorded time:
6,55
